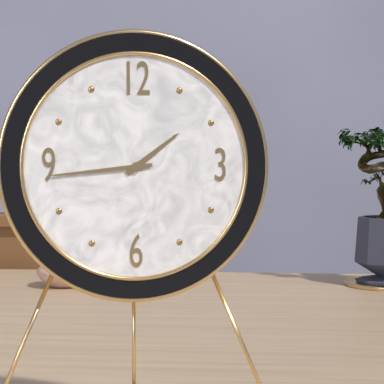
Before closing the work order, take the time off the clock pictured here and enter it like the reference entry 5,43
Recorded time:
1,44
